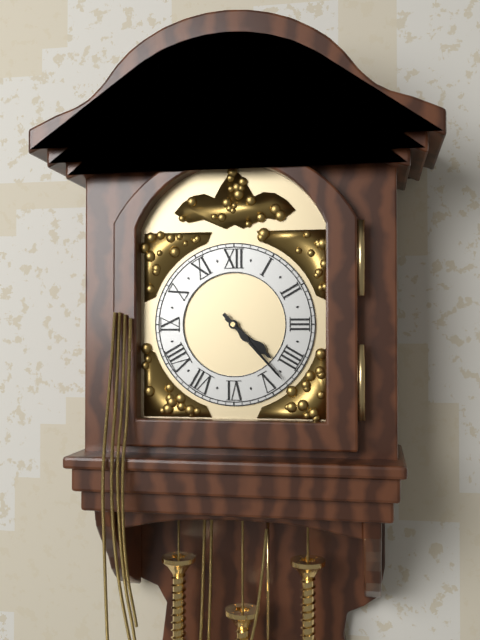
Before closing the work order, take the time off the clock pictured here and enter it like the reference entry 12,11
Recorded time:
4,23
